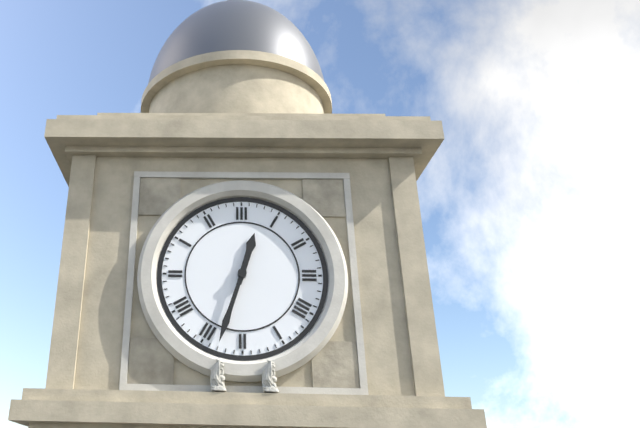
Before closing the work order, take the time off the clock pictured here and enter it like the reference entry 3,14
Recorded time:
12,33
